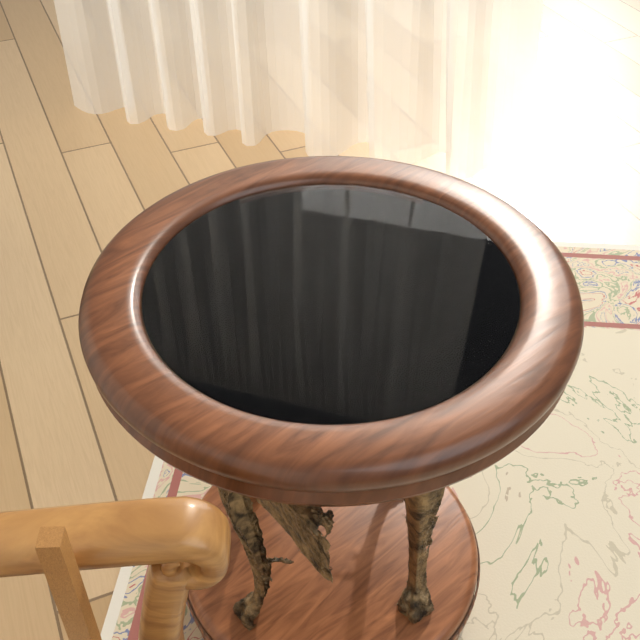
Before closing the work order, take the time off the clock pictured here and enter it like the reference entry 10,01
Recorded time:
1,23
